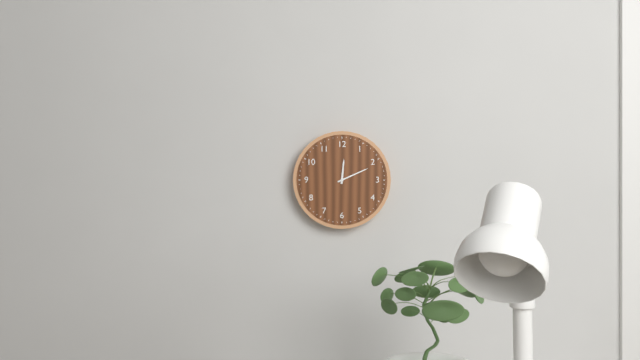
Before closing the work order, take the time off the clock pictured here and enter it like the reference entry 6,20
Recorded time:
12,11
